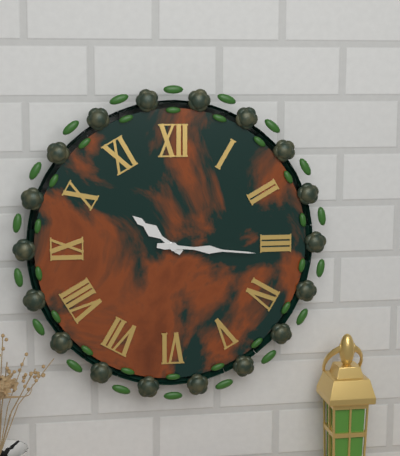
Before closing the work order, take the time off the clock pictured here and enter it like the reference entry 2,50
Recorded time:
10,16
